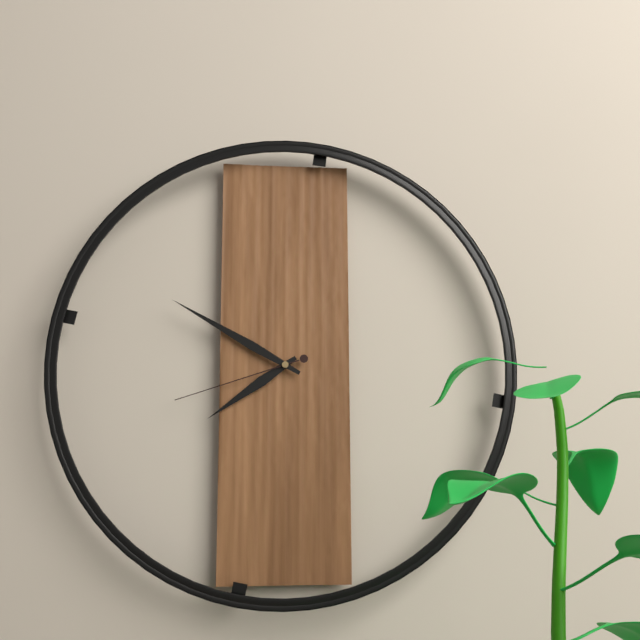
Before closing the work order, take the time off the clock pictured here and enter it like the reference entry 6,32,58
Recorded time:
7,50,42
